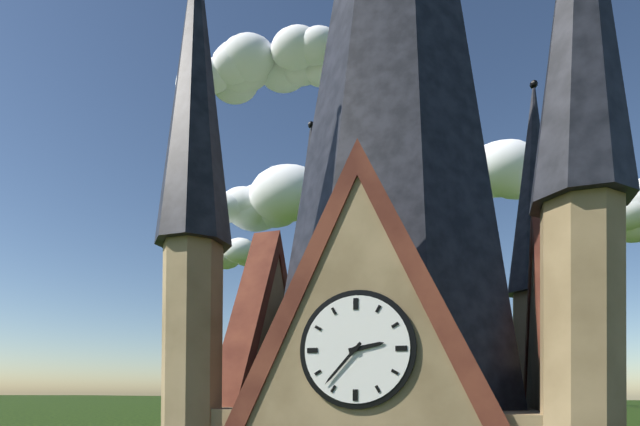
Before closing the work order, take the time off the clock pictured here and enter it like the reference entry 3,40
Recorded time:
2,37
